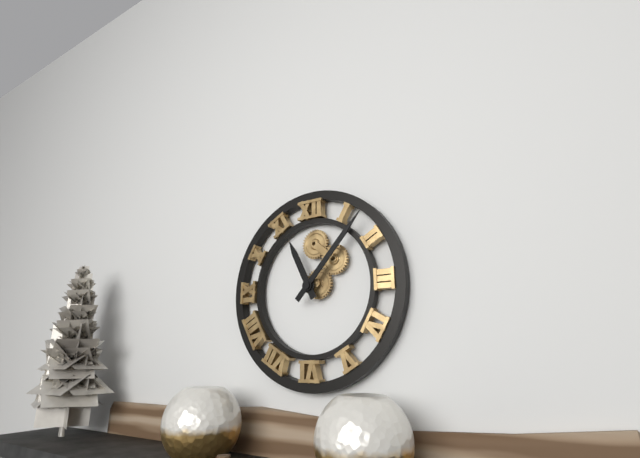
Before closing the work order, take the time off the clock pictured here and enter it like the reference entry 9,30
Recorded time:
11,07
